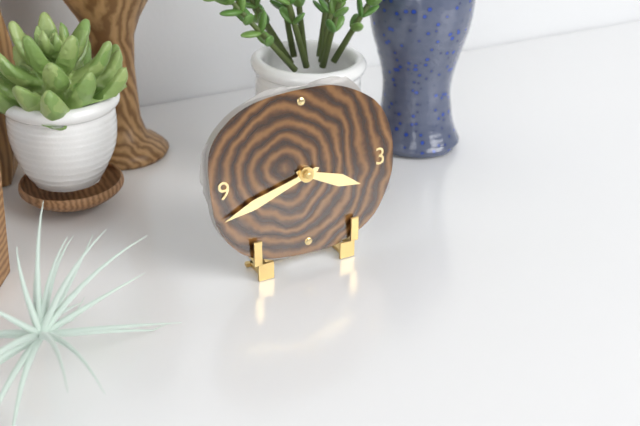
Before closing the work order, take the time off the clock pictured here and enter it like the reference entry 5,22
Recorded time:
3,42
